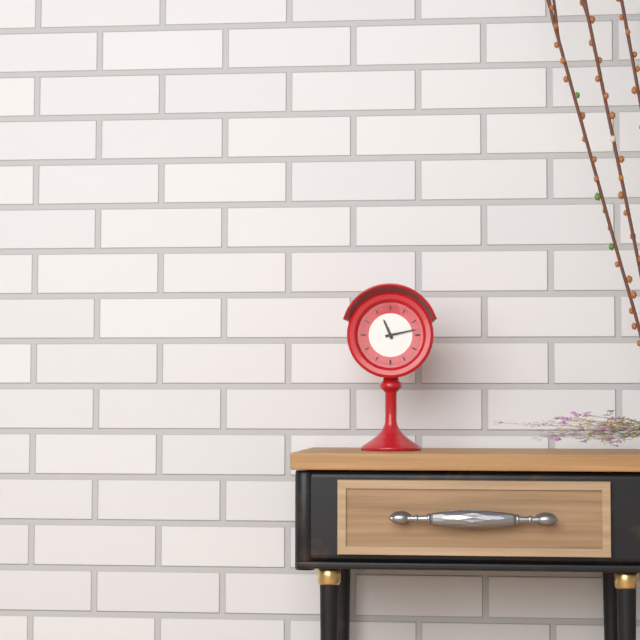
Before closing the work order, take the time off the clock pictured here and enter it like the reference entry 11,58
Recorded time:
11,13
